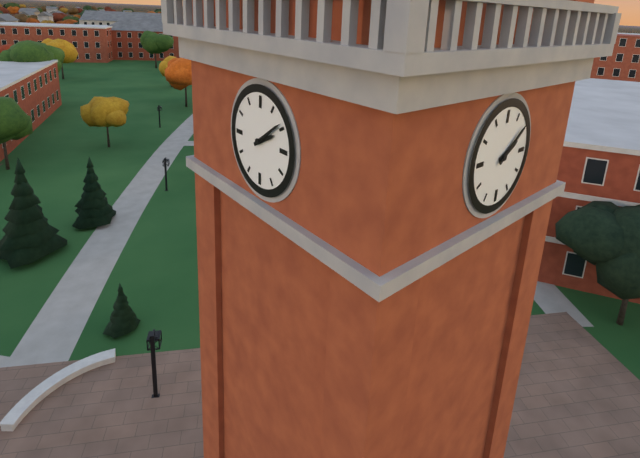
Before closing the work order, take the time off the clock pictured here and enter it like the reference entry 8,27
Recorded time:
2,09
